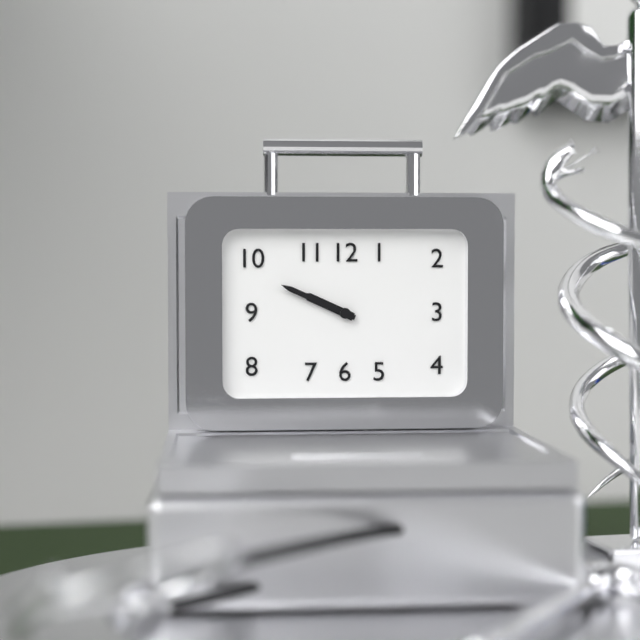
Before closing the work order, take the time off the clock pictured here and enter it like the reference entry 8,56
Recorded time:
9,49
